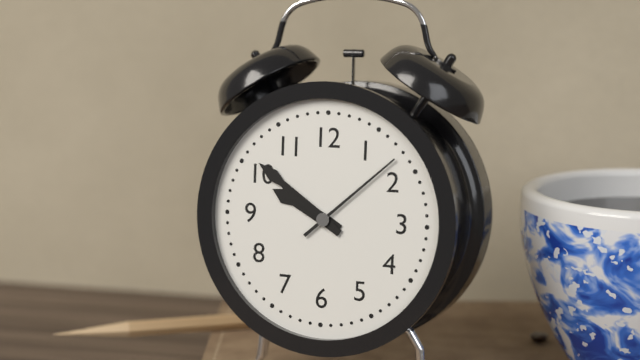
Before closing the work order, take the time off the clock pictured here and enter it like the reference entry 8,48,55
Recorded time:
9,51,08
